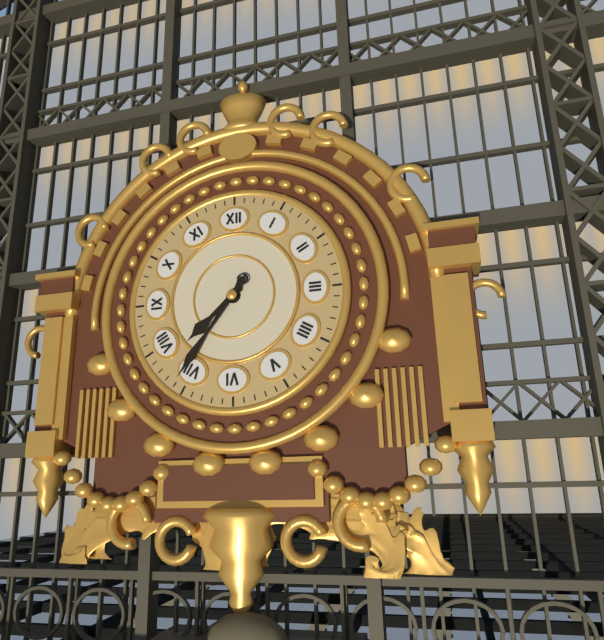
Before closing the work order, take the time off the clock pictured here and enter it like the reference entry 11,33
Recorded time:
7,36
